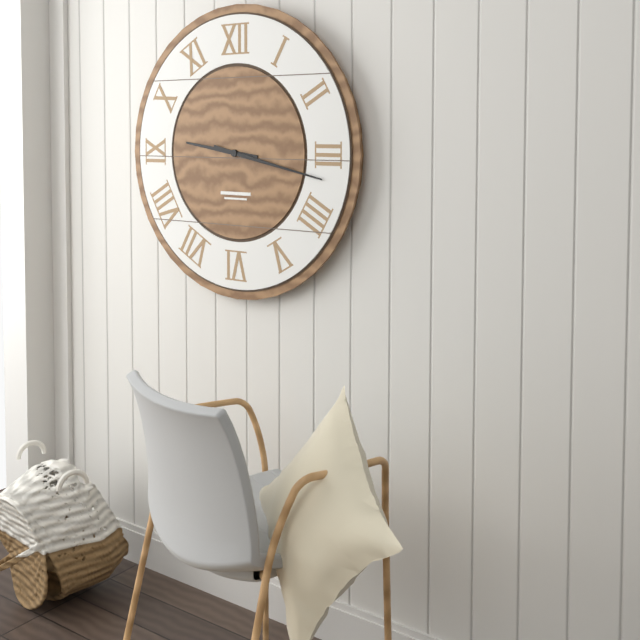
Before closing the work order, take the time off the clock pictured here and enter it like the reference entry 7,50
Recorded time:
9,17
